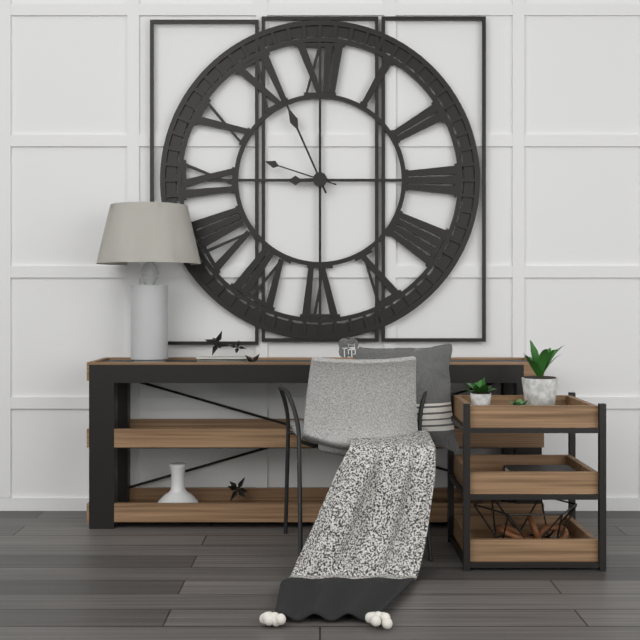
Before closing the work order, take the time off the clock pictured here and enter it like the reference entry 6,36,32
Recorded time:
8,56,48
